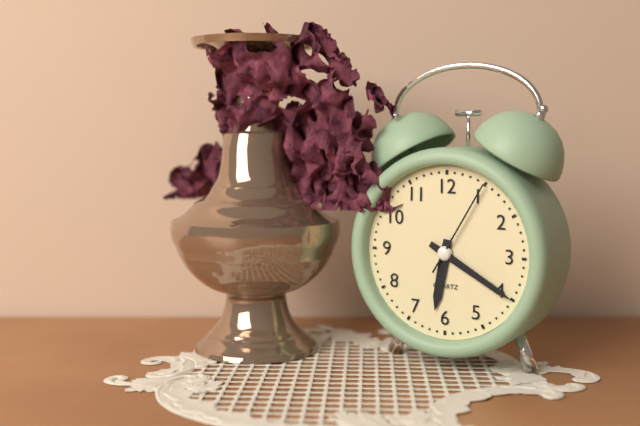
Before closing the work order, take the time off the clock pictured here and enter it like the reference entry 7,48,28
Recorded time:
6,20,05
